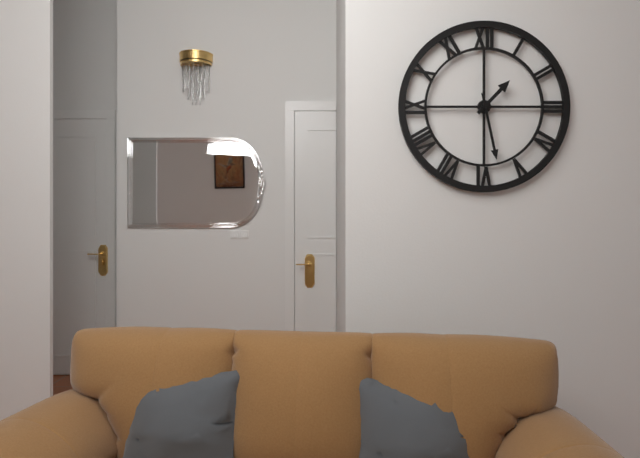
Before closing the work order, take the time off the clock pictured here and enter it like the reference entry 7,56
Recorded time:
1,28
